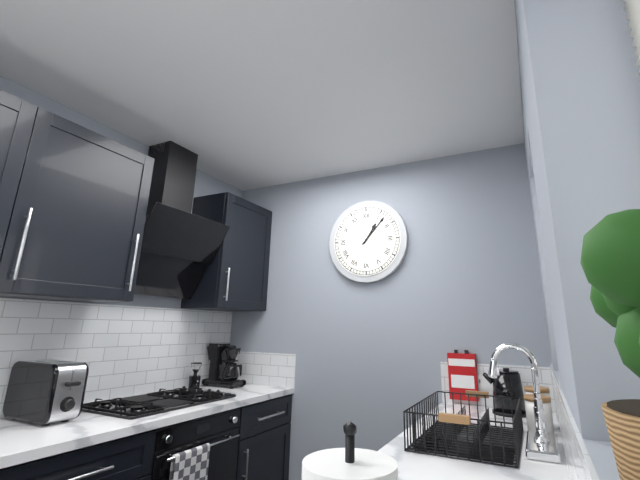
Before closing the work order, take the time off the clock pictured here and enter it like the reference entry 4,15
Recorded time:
1,07
